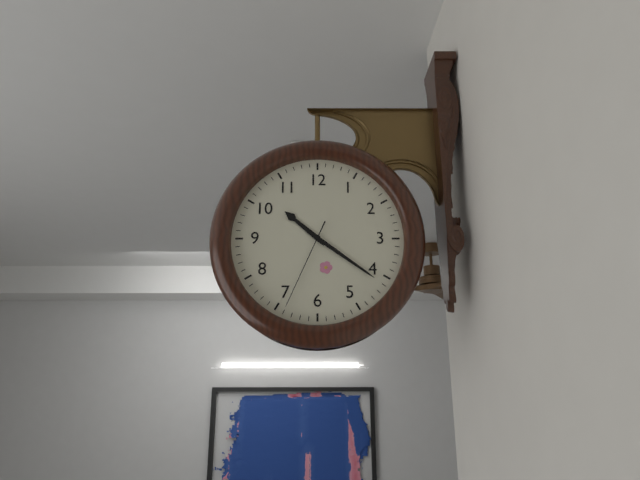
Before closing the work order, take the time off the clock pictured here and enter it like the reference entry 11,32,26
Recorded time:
10,21,34
